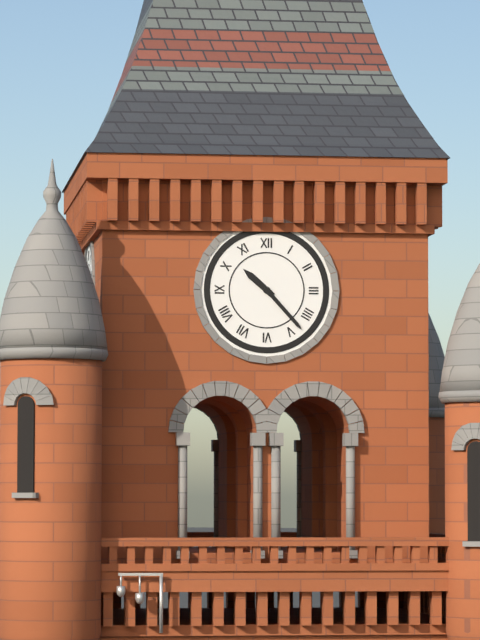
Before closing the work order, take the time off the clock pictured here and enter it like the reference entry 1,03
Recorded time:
10,23
